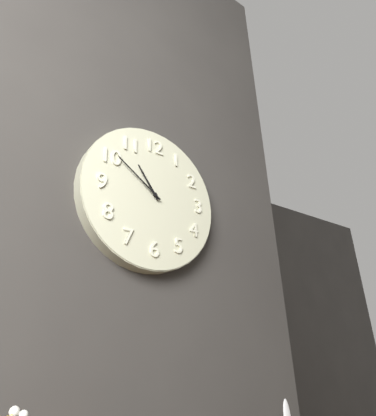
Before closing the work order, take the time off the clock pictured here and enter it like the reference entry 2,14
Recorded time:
10,51
